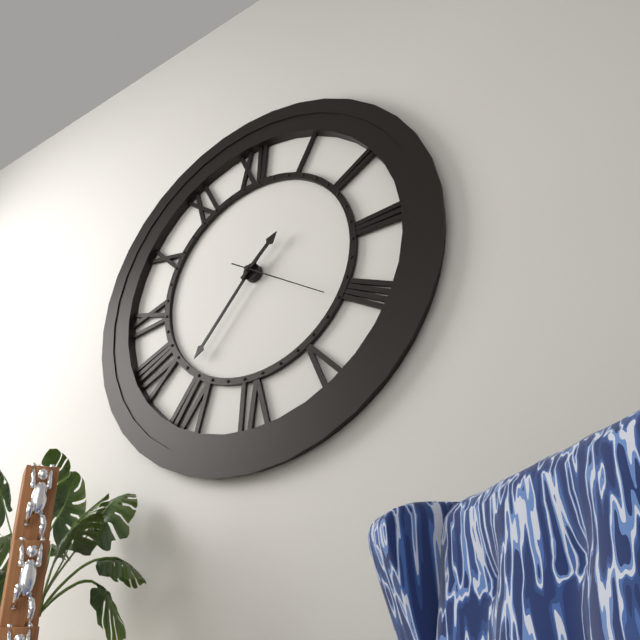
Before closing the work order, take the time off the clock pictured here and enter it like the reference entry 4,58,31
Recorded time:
1,37,21
